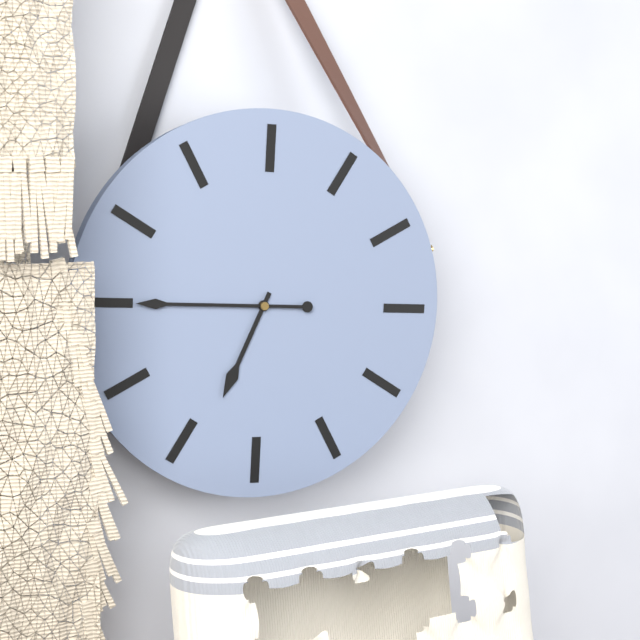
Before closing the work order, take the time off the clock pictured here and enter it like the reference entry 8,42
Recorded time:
6,45
